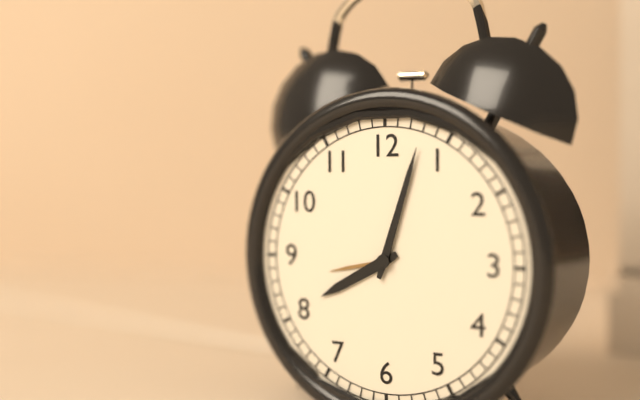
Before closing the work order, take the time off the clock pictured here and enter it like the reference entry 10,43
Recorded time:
8,03
